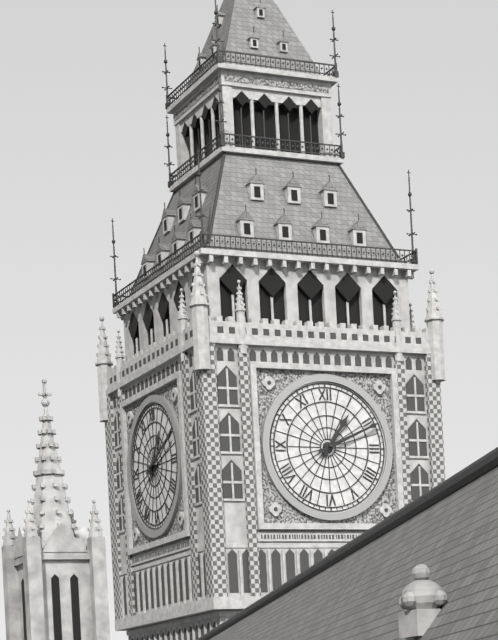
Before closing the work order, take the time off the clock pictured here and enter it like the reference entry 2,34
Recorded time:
1,11
